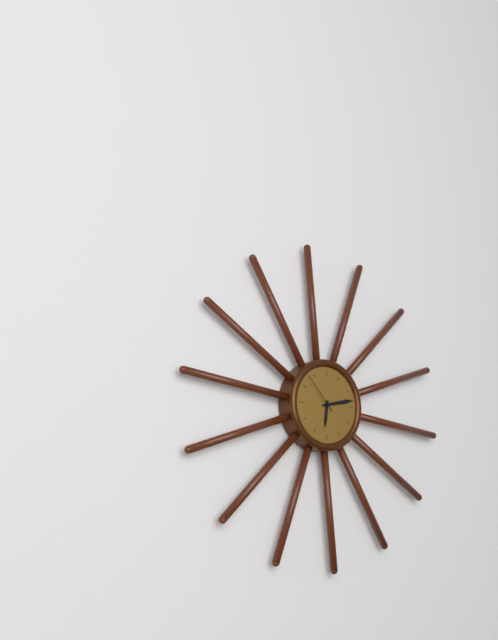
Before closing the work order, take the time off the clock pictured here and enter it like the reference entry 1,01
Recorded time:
6,13
